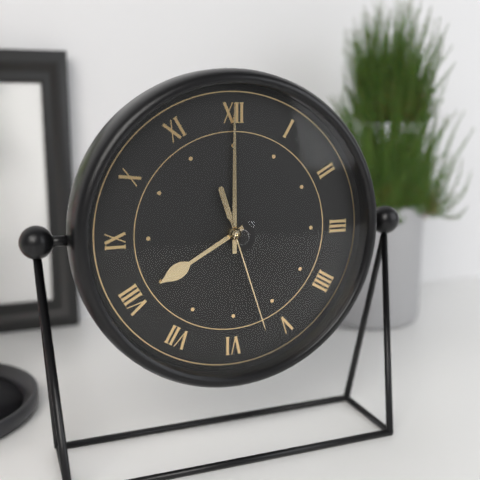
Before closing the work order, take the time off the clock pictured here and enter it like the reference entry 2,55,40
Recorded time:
8,00,27
